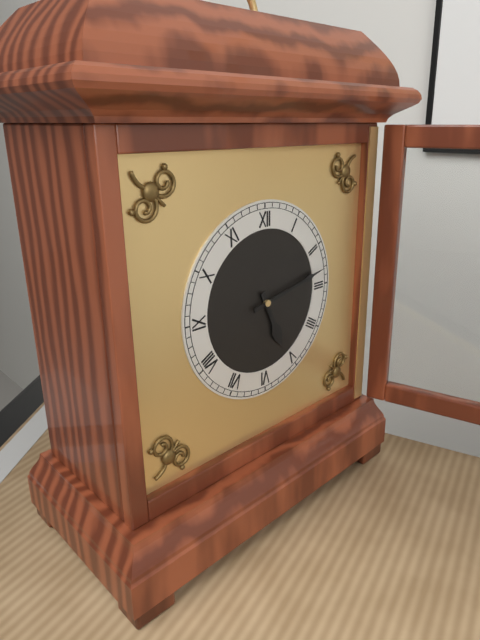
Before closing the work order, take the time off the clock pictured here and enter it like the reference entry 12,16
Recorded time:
5,13
